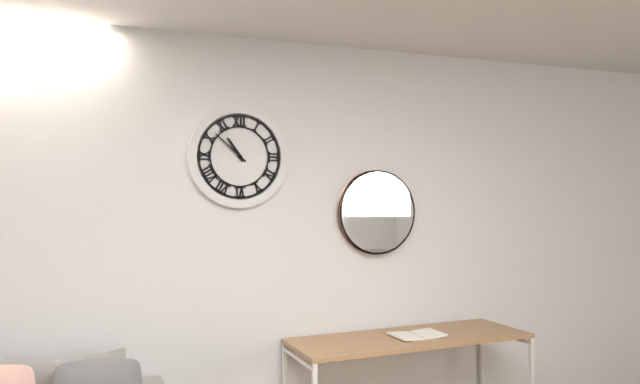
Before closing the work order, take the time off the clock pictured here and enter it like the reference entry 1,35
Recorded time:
10,52
